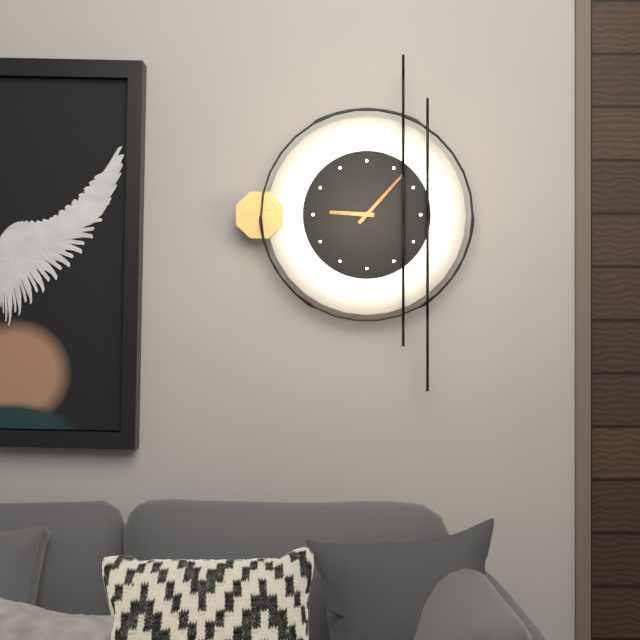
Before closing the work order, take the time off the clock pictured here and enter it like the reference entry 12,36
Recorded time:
9,07
